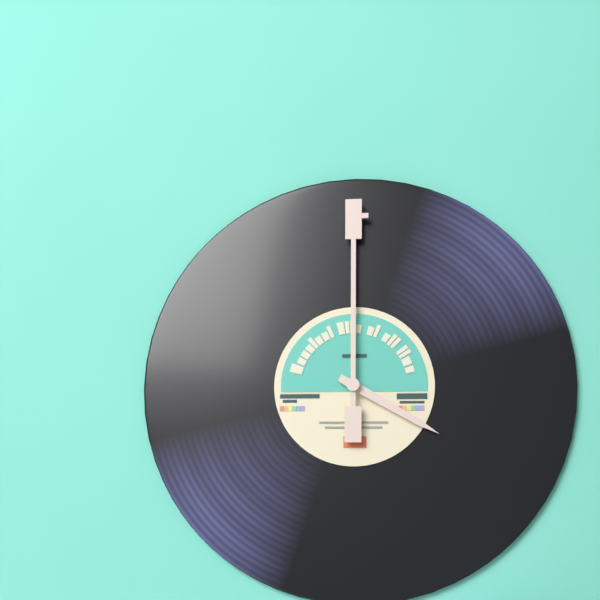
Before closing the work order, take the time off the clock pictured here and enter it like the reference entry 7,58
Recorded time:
4,00
